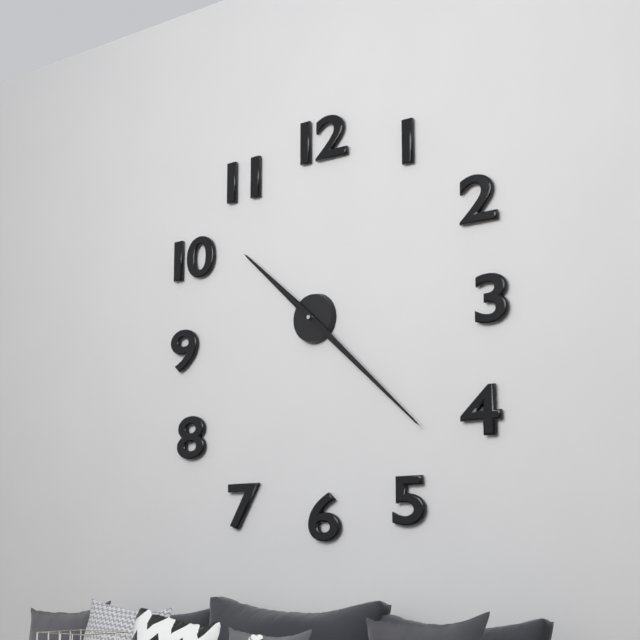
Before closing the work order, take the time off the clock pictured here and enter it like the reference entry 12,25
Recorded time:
10,22
